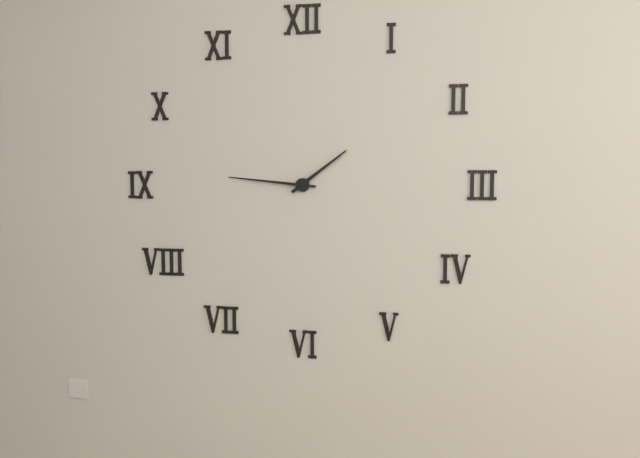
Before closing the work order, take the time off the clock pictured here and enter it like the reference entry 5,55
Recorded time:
1,46
